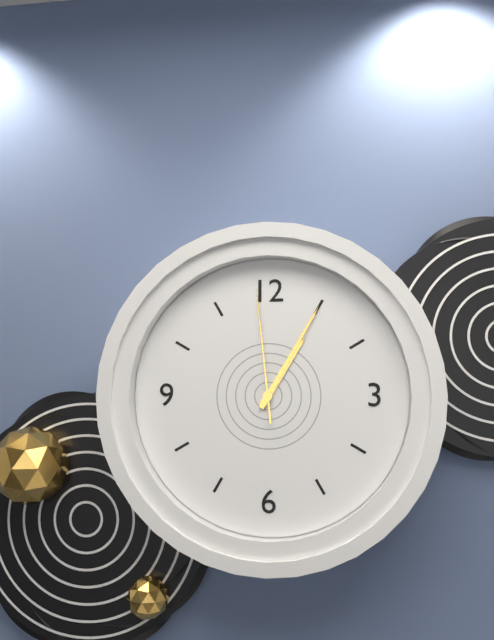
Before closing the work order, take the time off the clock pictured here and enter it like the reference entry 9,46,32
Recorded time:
1,05,59
